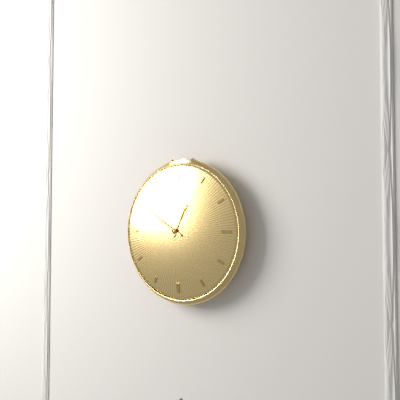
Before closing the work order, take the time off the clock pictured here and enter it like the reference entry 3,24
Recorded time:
12,50
